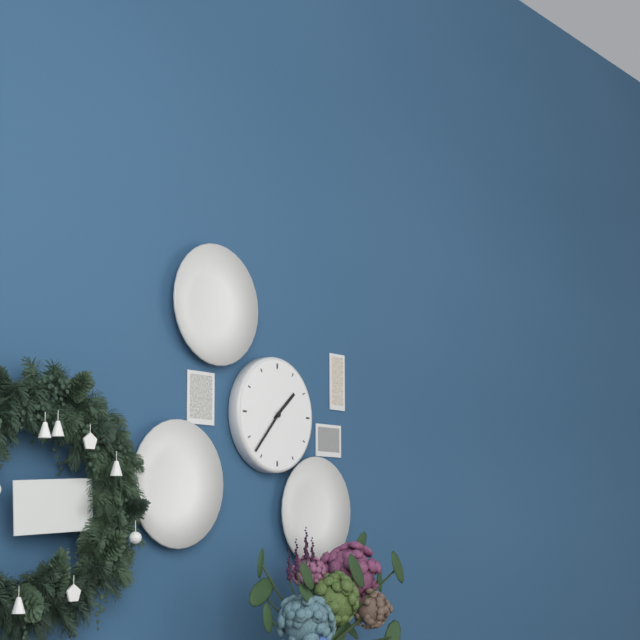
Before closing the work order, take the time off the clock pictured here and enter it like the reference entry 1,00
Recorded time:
1,37
